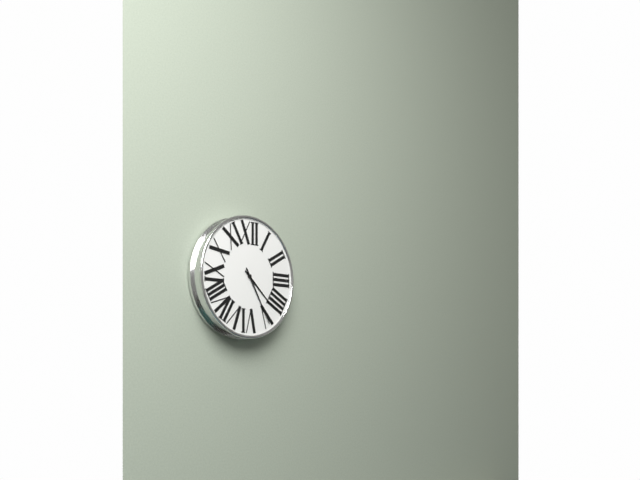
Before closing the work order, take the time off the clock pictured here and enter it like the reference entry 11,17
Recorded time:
4,25
